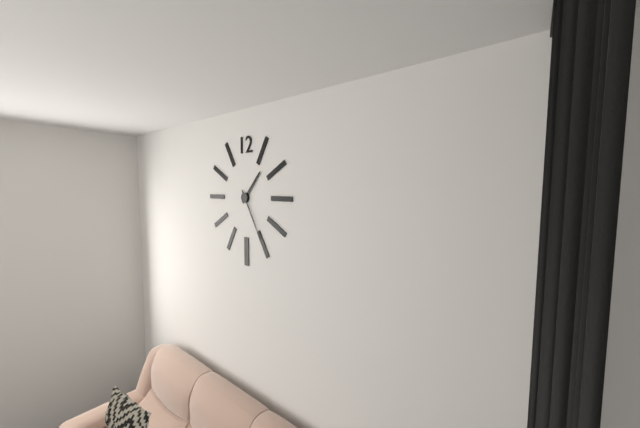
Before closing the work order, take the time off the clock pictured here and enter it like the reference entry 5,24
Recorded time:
1,25
